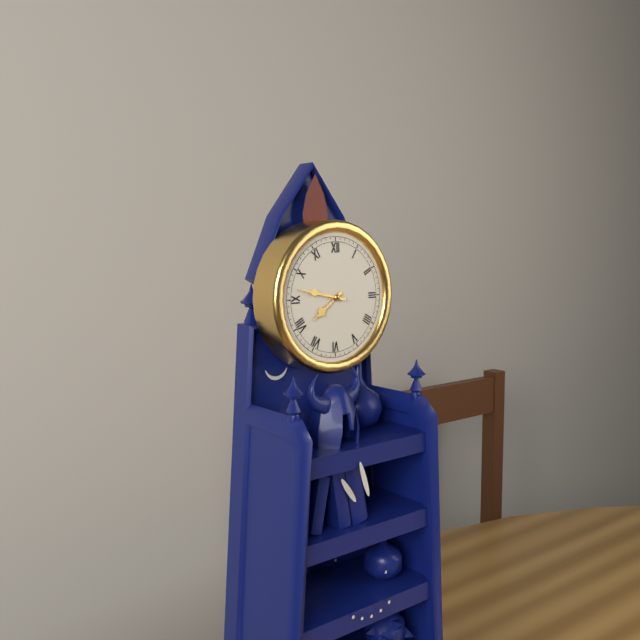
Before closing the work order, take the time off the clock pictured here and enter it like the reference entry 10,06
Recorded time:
7,47
